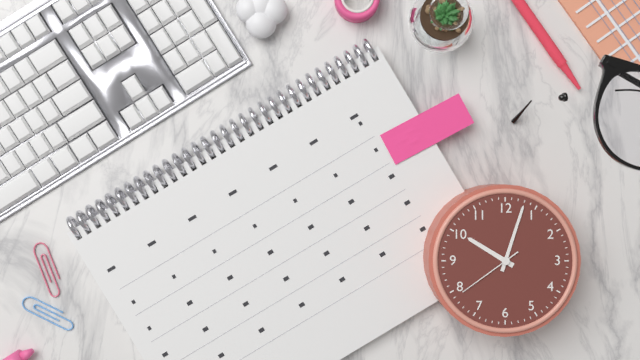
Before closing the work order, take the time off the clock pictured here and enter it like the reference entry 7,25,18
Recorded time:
10,03,39
